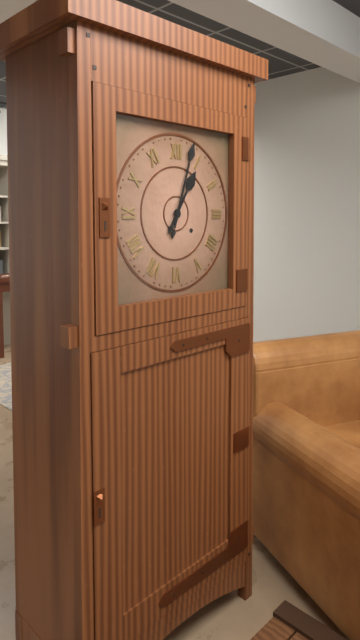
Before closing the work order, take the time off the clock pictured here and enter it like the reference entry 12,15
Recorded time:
1,03
